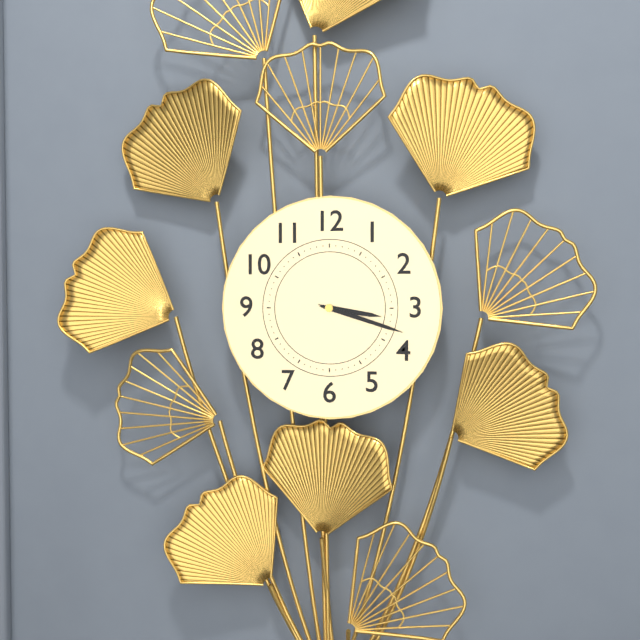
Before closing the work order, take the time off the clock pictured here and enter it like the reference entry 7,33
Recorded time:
3,18
